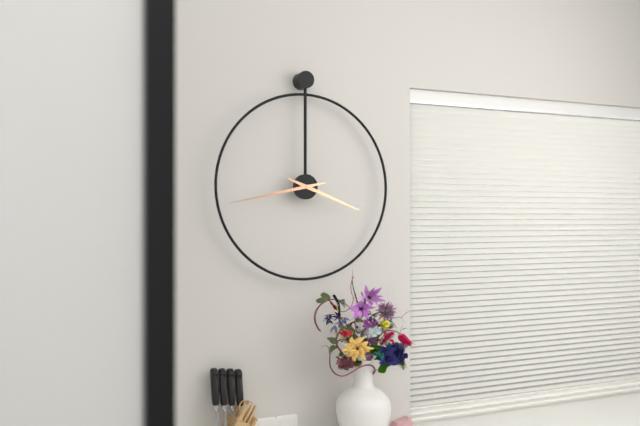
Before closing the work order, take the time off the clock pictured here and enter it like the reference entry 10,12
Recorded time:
3,43
